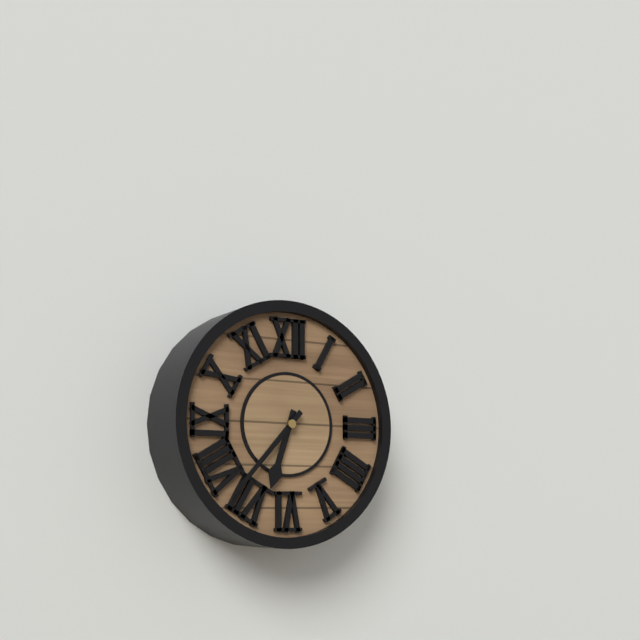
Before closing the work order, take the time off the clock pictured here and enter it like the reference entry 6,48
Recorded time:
6,37
